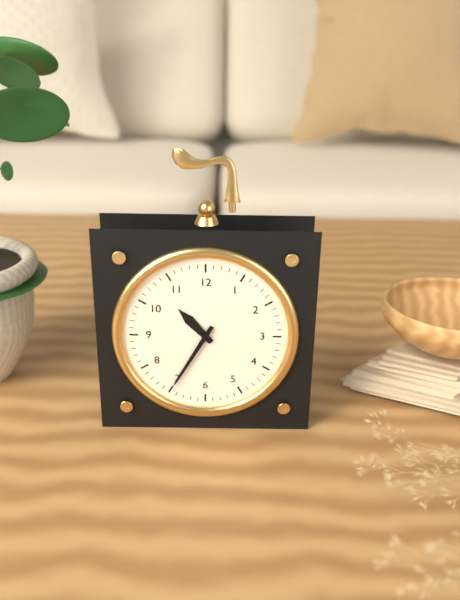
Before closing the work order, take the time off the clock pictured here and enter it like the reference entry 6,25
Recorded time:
10,35
